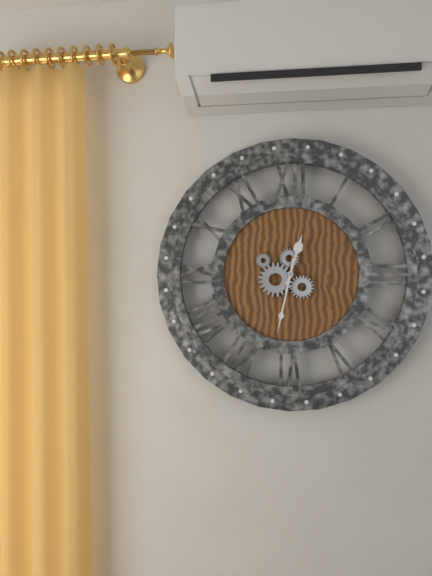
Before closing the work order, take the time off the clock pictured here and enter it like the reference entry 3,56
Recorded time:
12,32
